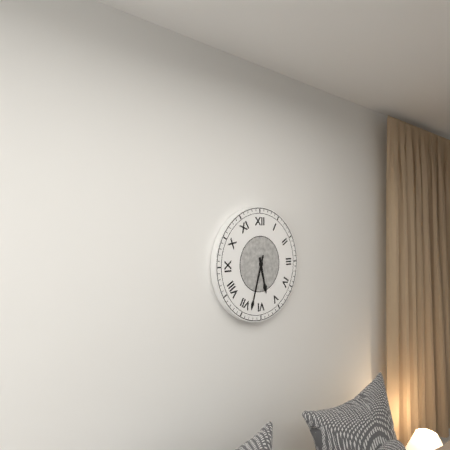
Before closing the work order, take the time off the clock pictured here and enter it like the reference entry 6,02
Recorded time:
5,33
